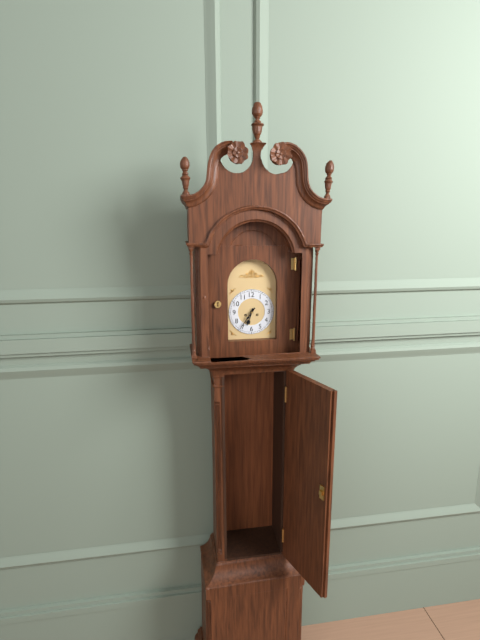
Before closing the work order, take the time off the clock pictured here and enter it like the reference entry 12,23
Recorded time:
6,36
